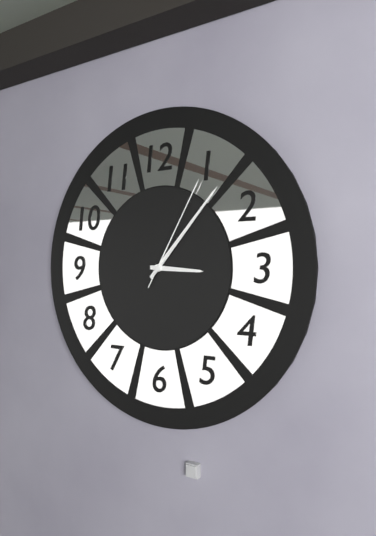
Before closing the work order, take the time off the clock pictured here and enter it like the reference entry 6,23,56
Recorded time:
3,07,05
